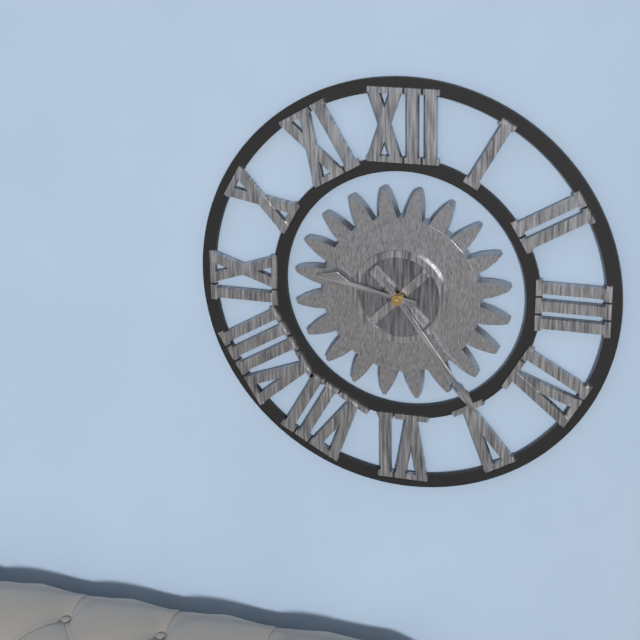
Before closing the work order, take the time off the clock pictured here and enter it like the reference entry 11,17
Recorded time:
9,24
